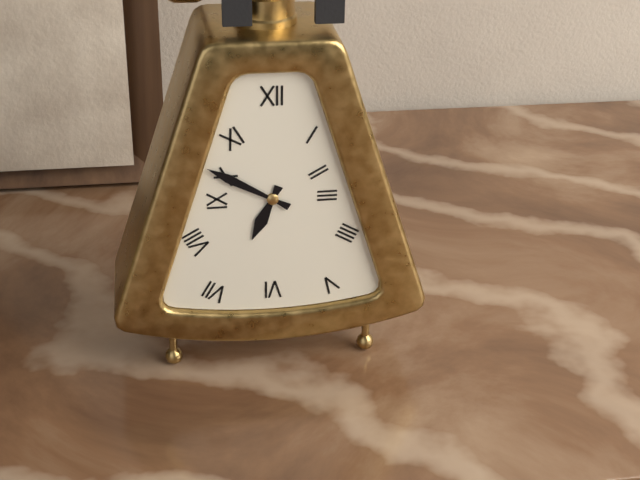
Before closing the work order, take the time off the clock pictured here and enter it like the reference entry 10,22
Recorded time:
6,50
